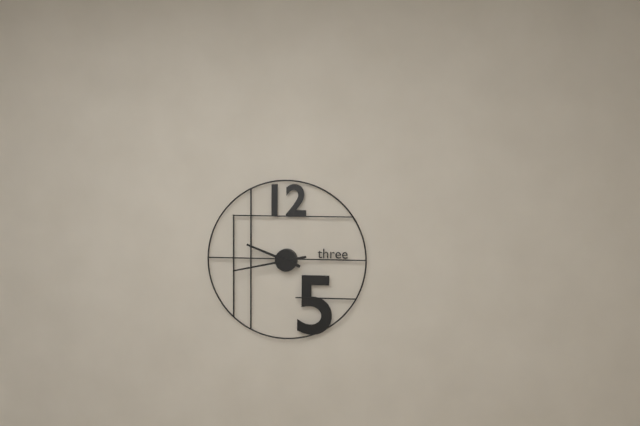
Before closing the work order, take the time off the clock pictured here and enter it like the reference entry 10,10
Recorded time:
9,43
